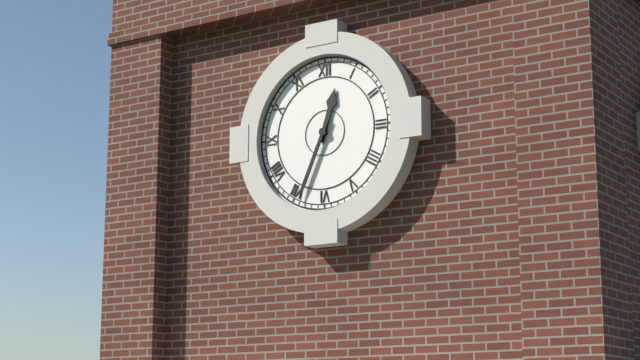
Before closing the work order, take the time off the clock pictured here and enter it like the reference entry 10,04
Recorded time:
12,34
